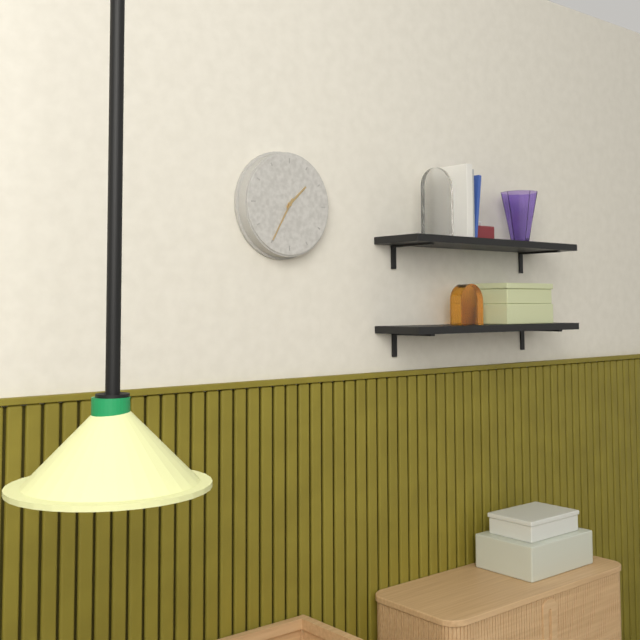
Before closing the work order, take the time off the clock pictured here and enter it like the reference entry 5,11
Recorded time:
1,35
